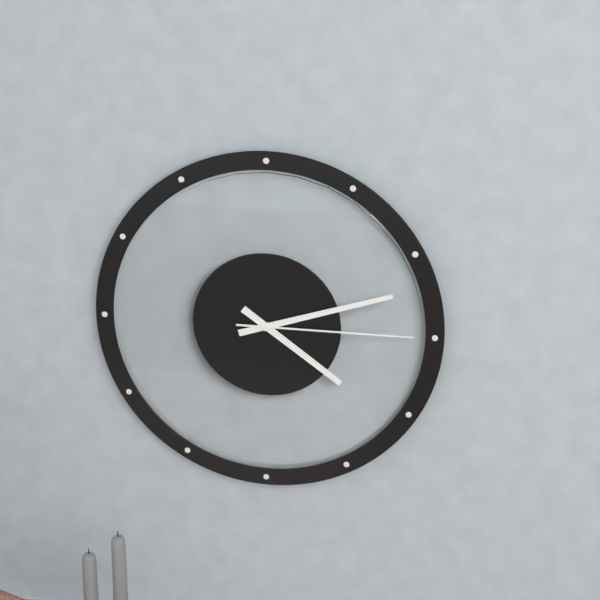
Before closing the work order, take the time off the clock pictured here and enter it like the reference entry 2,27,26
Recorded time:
4,12,15
